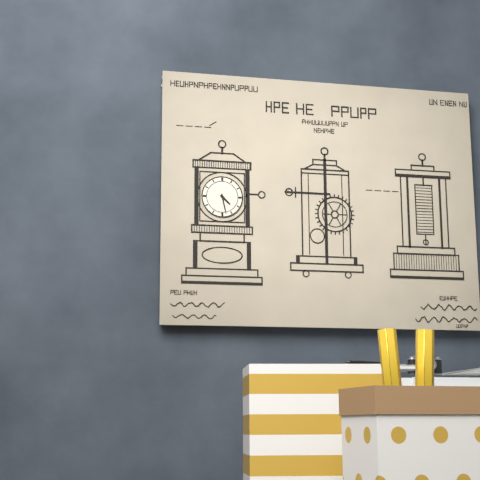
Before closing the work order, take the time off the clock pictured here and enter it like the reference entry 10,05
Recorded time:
4,28
